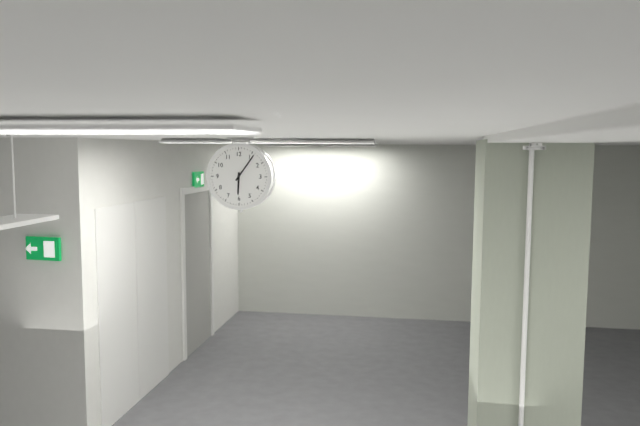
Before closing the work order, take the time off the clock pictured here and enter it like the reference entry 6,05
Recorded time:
6,06
